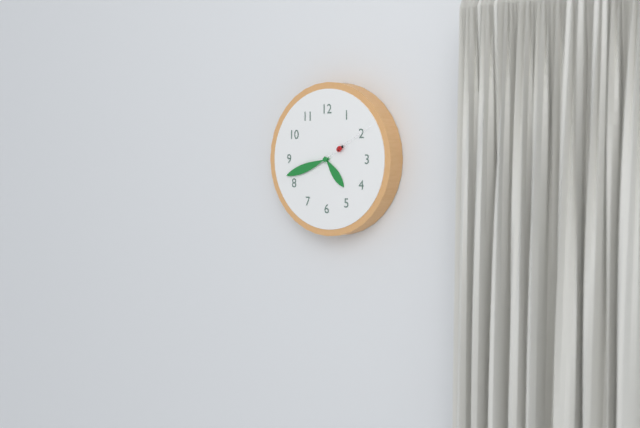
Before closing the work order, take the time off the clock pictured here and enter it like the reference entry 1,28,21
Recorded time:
4,42,10
